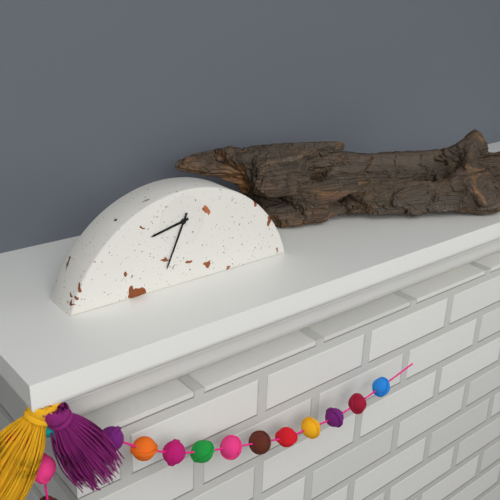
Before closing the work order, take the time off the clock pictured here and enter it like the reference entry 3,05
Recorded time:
8,34
